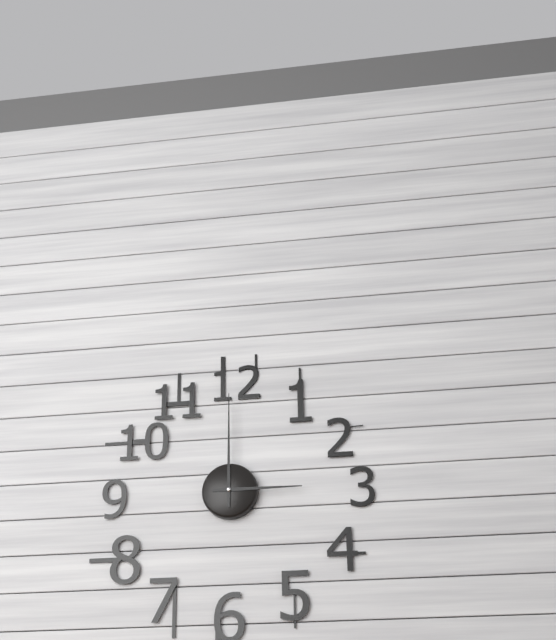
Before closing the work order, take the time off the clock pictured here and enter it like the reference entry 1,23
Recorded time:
3,00
